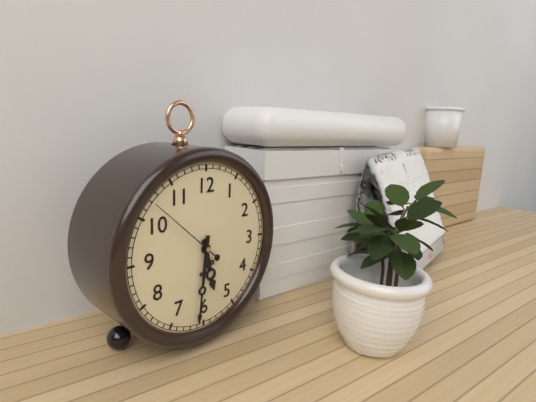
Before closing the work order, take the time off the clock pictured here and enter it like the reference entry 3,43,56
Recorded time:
5,31,52
